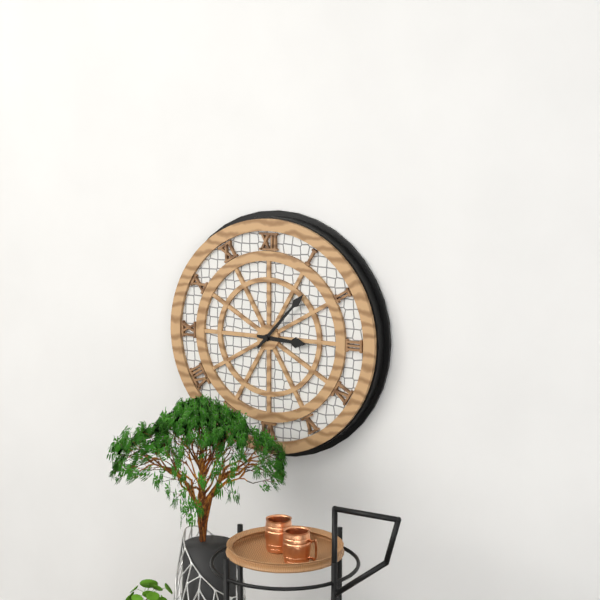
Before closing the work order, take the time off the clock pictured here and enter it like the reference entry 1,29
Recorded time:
3,07
